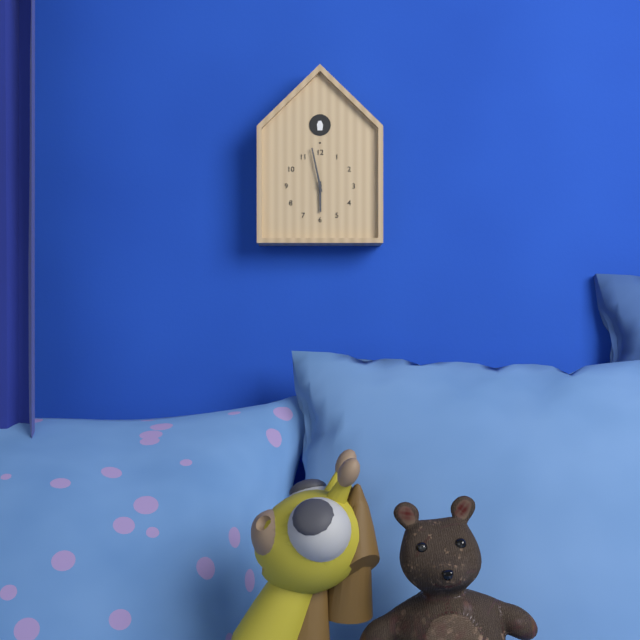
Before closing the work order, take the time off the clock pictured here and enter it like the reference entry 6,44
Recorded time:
5,58
